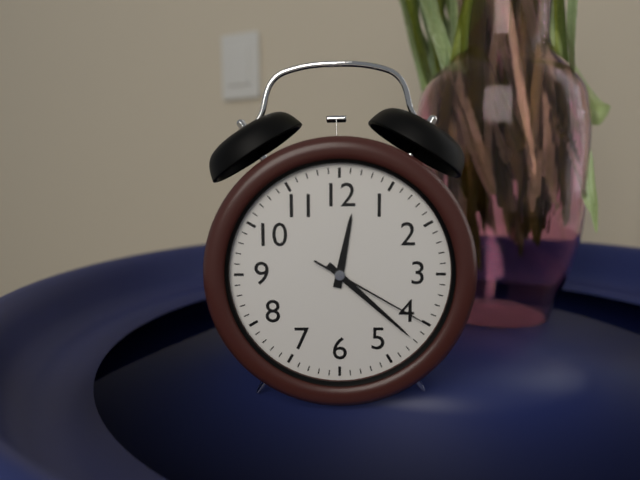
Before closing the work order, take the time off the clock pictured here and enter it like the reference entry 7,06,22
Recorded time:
12,22,20
